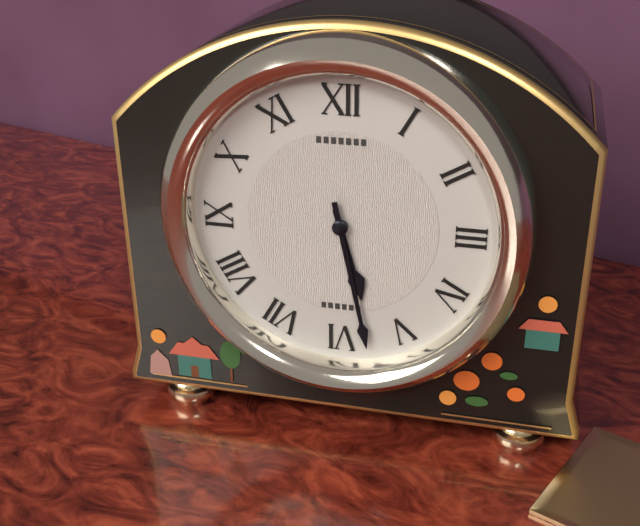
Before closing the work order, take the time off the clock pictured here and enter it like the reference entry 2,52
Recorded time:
5,28
